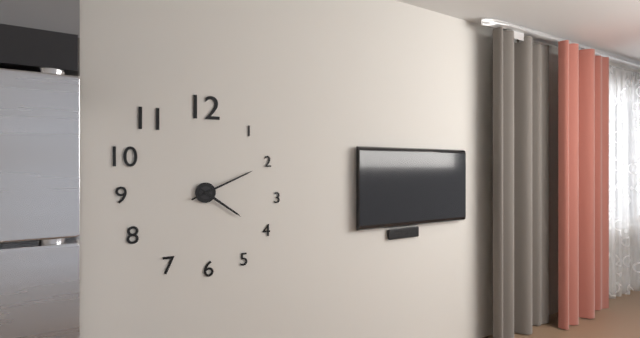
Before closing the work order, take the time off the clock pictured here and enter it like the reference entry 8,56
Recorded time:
4,11
